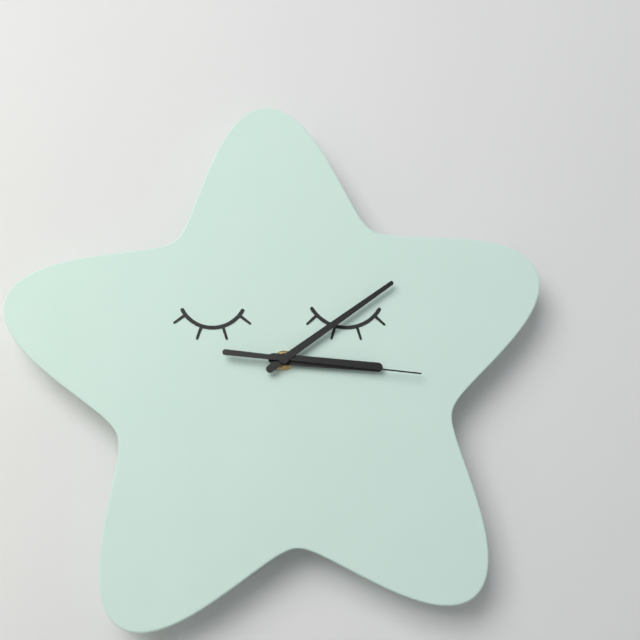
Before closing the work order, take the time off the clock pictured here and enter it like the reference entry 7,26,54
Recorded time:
3,09,16
